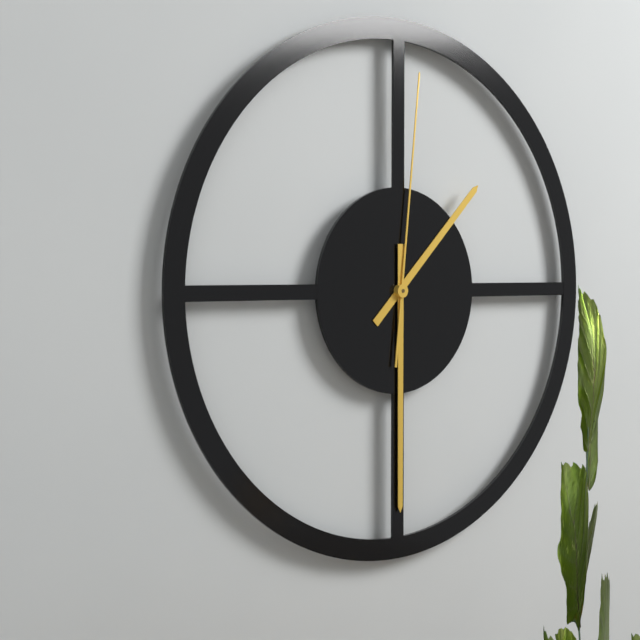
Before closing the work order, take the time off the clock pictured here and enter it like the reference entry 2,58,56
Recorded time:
1,30,01
